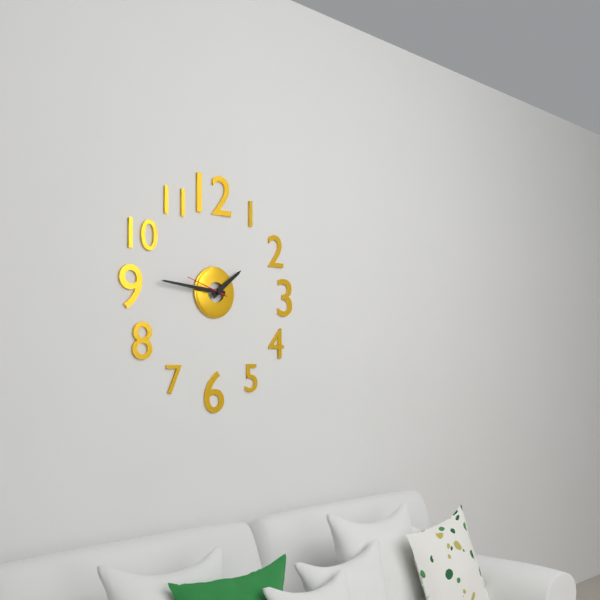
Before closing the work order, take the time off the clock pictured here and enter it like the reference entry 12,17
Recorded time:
1,46
